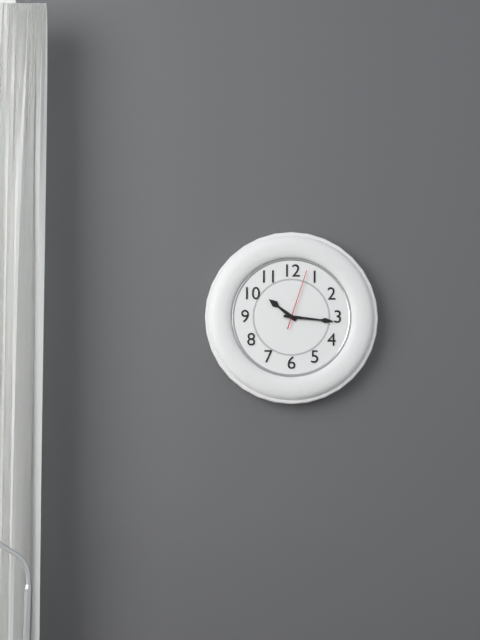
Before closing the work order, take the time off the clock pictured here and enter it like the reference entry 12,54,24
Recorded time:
10,16,03
